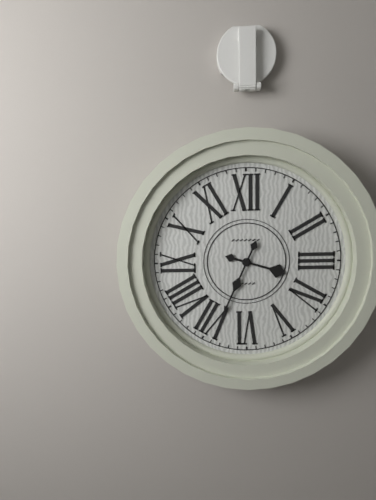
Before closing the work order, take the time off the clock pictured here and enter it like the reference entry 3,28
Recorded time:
3,34
